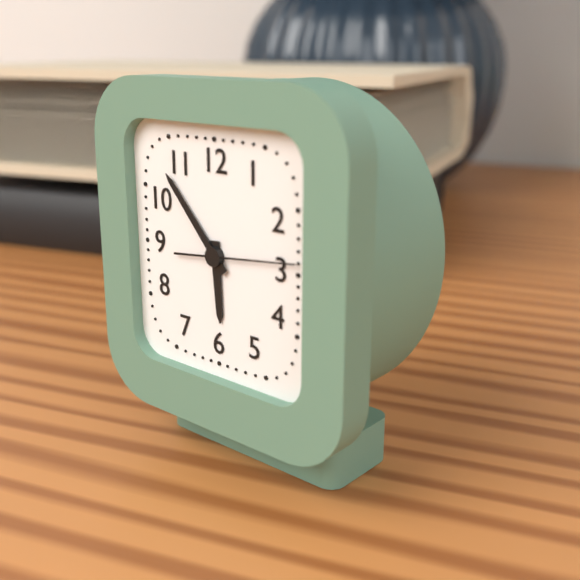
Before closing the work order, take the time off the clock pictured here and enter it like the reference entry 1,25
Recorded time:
5,53
